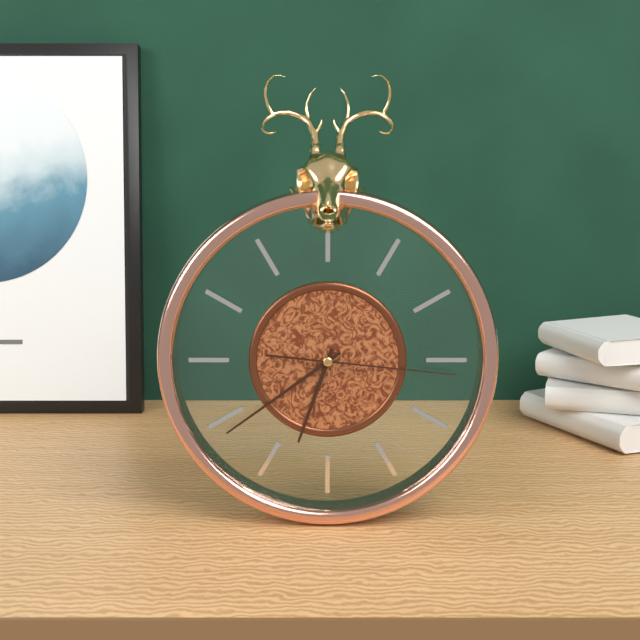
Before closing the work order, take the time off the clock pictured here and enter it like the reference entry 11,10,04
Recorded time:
6,39,16
